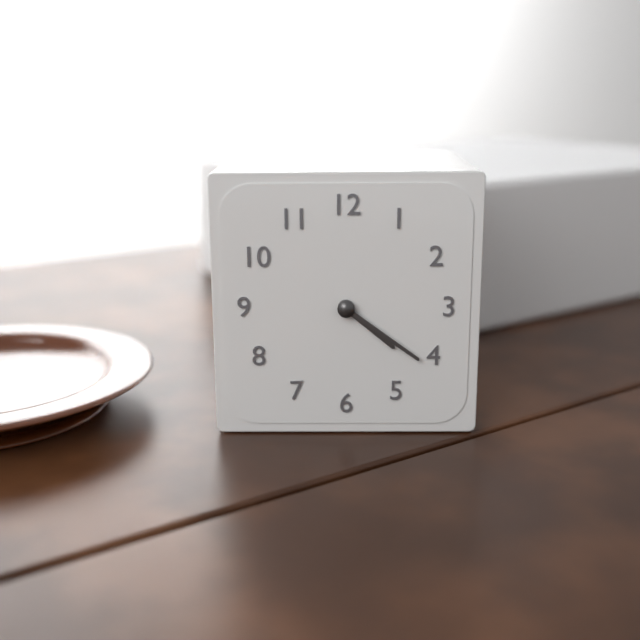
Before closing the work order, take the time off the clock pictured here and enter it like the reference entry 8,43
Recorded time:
4,21
